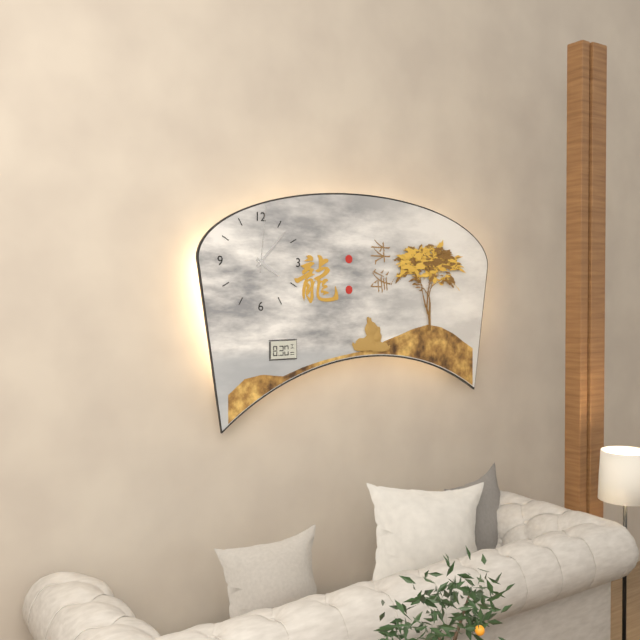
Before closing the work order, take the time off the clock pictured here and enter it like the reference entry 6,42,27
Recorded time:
4,07,01
